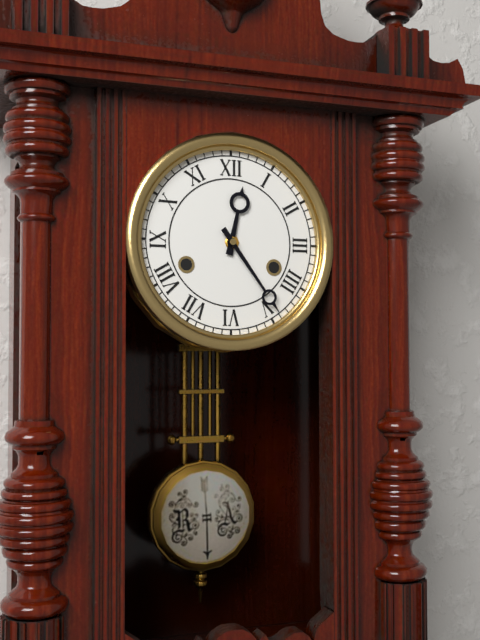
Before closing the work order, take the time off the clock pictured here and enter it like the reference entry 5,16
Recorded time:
12,24
